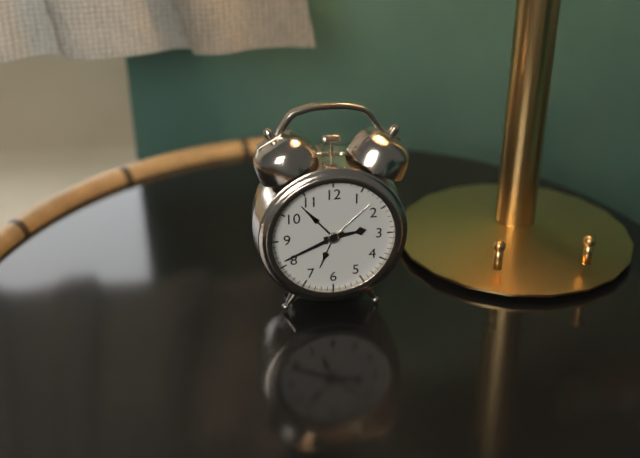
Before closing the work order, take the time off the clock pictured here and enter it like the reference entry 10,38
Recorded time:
2,41
